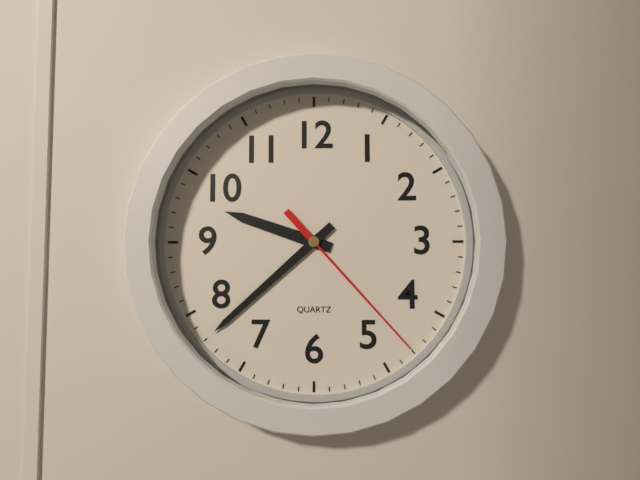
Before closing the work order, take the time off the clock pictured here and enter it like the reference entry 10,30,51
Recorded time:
9,38,23
